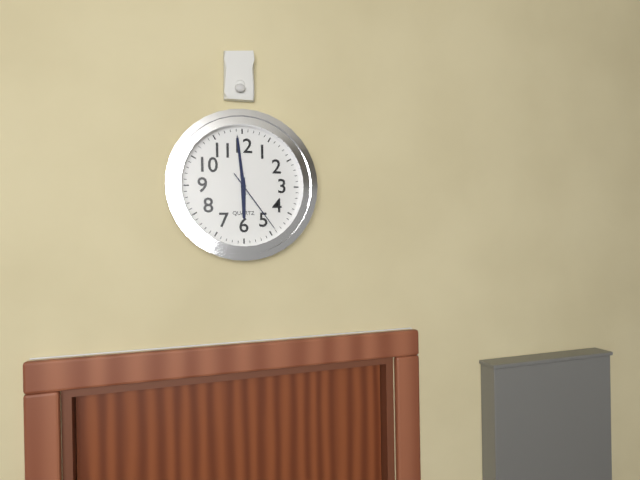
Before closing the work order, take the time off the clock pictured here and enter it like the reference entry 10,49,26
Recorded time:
5,59,24
